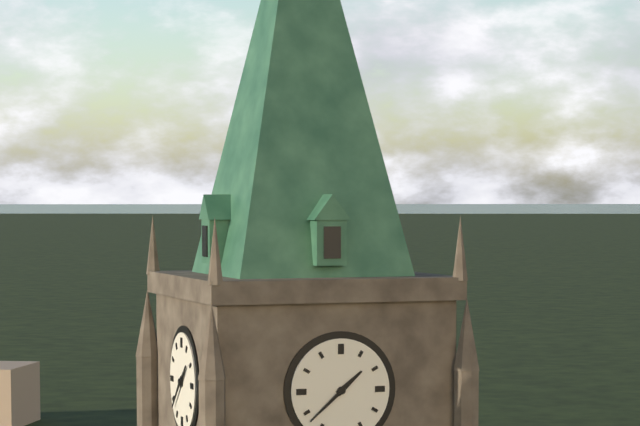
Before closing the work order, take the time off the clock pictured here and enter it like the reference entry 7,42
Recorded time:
1,38
